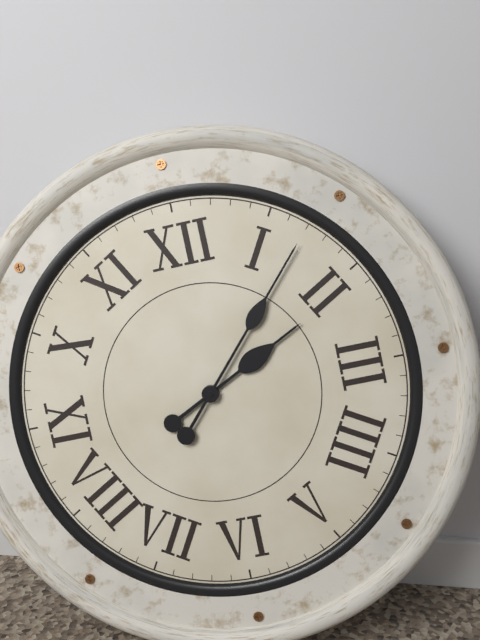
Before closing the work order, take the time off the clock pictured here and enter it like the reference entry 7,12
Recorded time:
2,07
